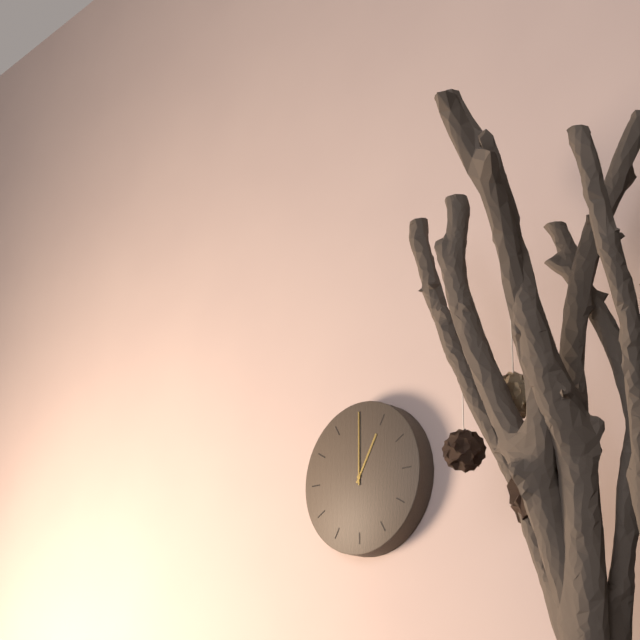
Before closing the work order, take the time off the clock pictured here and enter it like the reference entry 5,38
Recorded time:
1,00
